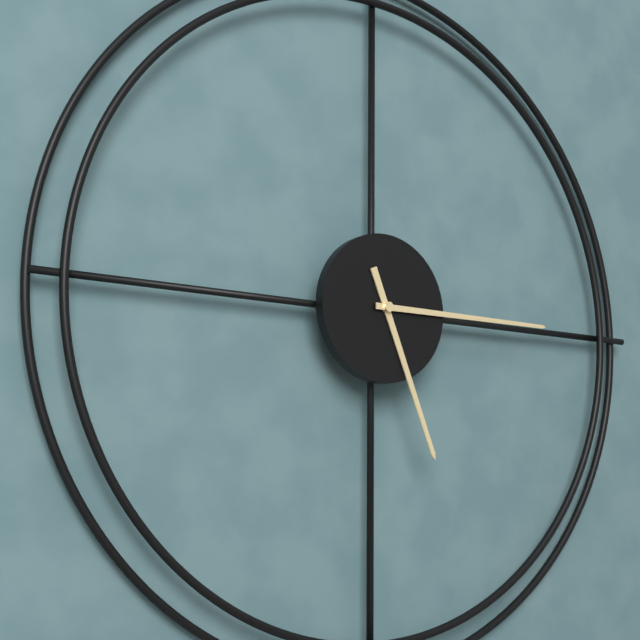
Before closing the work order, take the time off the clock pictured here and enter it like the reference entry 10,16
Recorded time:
5,15
